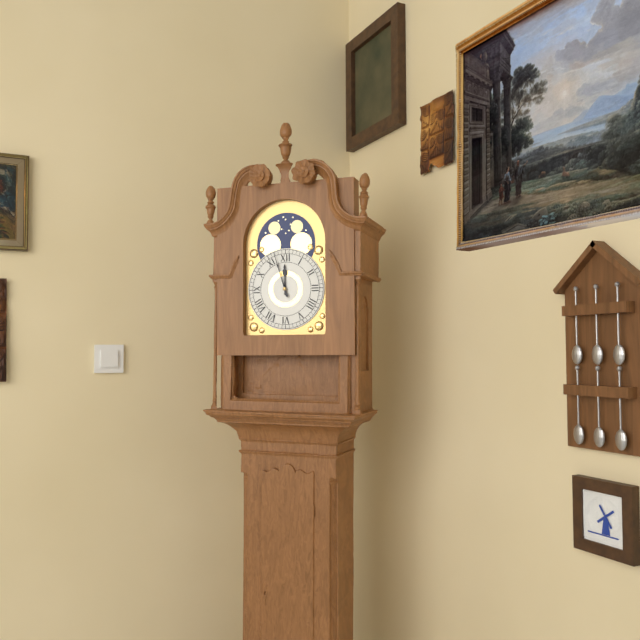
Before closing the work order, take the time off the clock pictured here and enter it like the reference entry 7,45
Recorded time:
11,57
